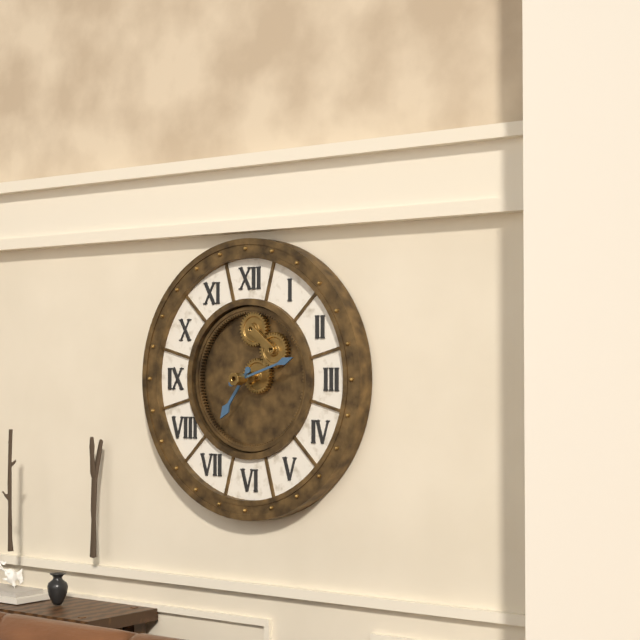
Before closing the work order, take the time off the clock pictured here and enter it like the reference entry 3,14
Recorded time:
7,12
